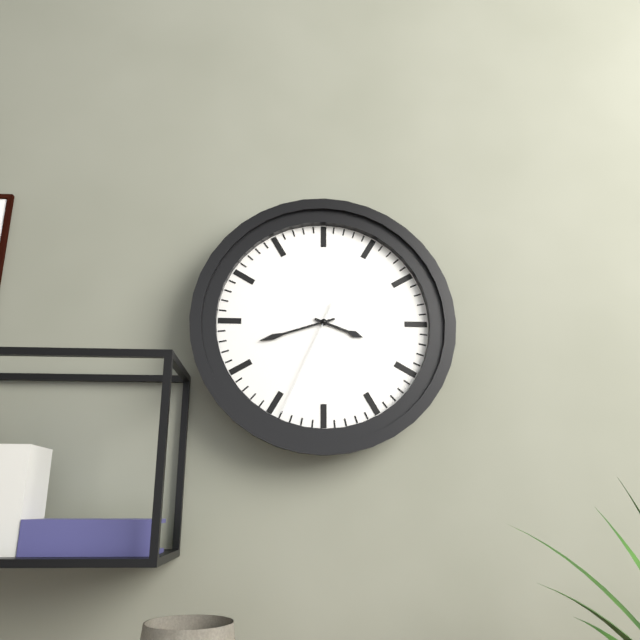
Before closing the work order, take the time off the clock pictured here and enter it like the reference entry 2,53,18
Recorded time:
3,42,34
